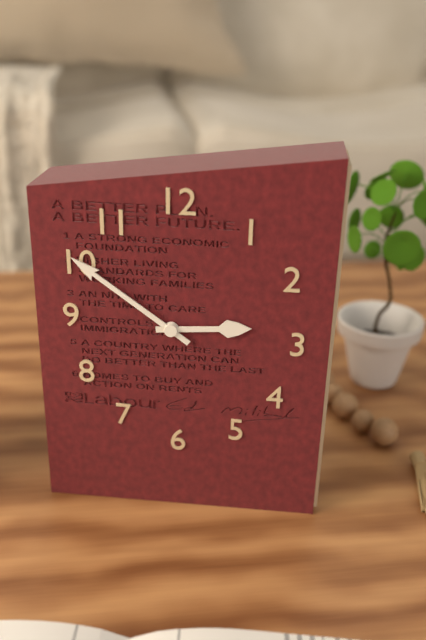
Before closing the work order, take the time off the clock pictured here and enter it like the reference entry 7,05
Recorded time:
2,51
